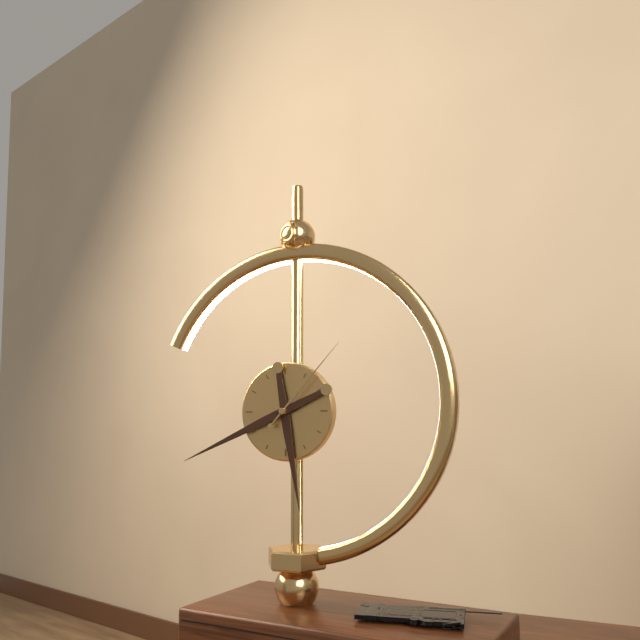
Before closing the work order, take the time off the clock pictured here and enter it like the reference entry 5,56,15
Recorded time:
5,41,07
